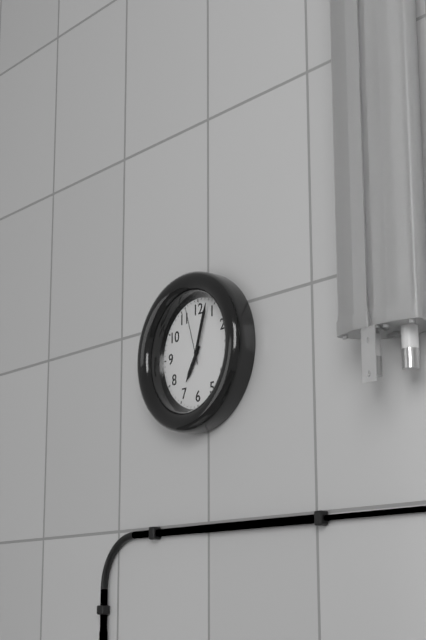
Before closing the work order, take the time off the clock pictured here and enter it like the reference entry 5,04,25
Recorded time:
7,03,57
